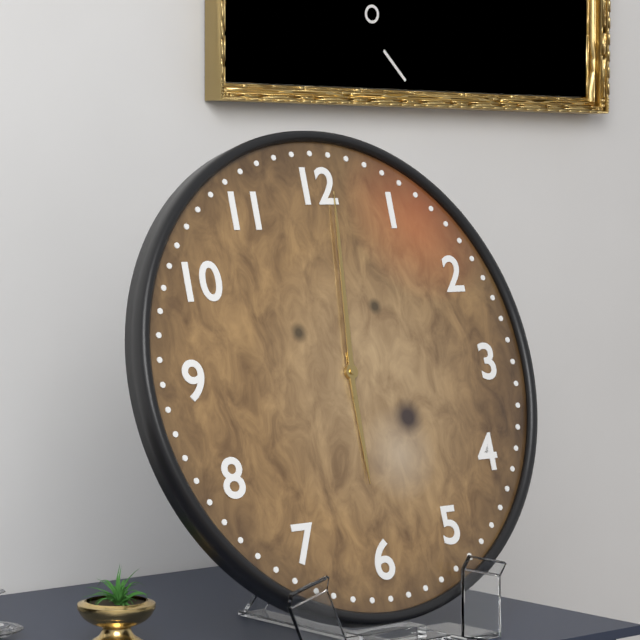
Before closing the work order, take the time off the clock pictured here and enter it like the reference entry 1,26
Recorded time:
6,01
